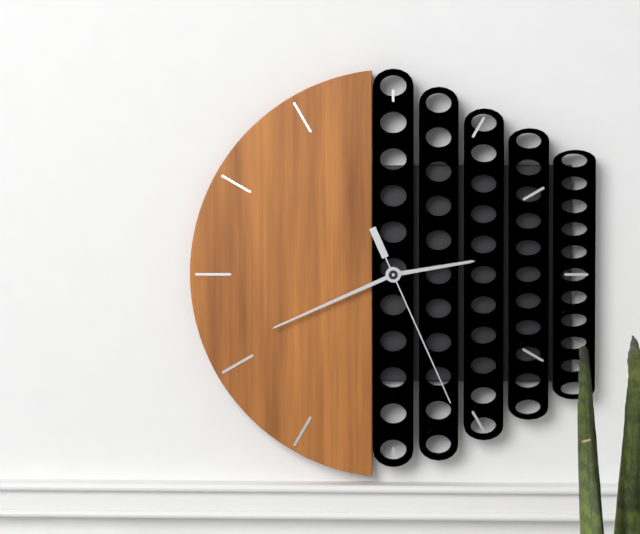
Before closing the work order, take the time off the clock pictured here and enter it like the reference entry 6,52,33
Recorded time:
2,41,26
